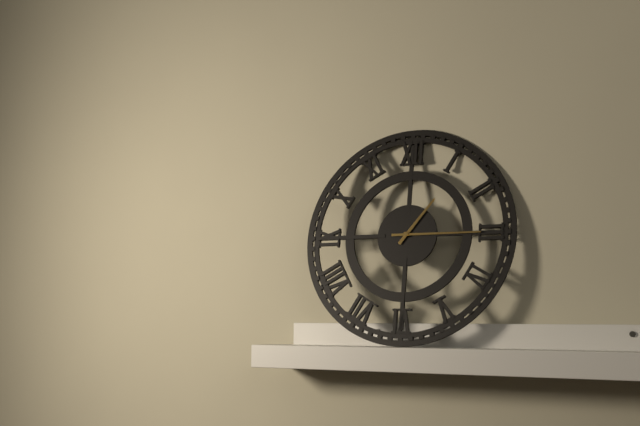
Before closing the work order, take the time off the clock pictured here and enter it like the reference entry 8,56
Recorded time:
1,15
